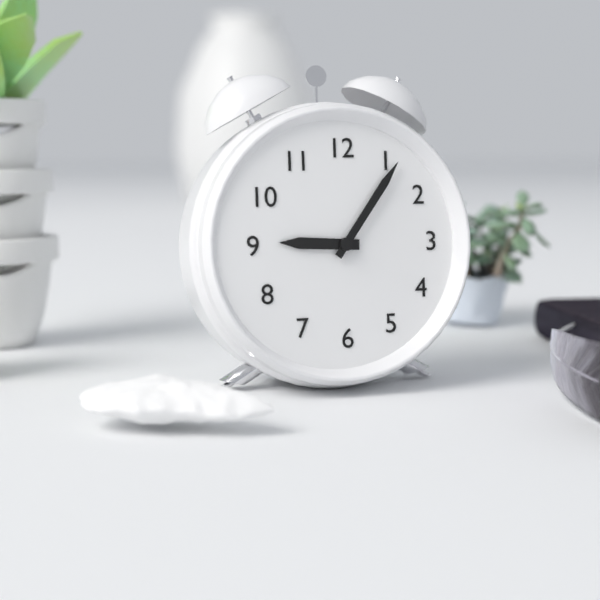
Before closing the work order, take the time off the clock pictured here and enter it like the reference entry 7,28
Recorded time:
9,06
